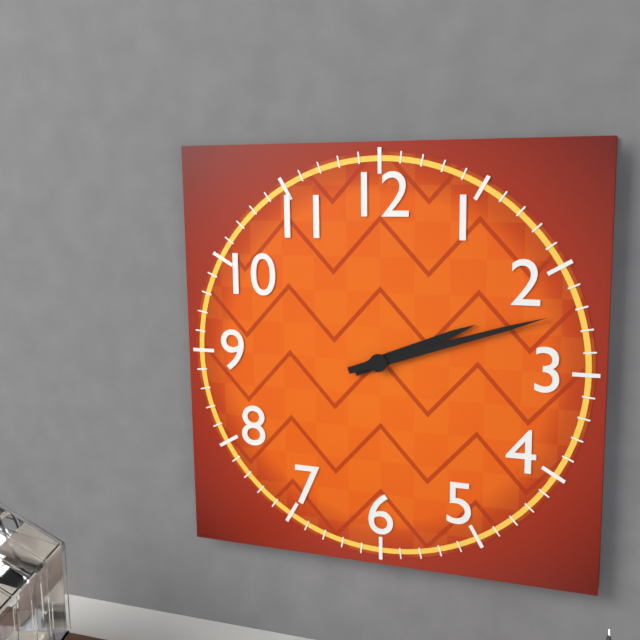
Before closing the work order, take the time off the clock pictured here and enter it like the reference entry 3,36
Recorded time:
2,12
